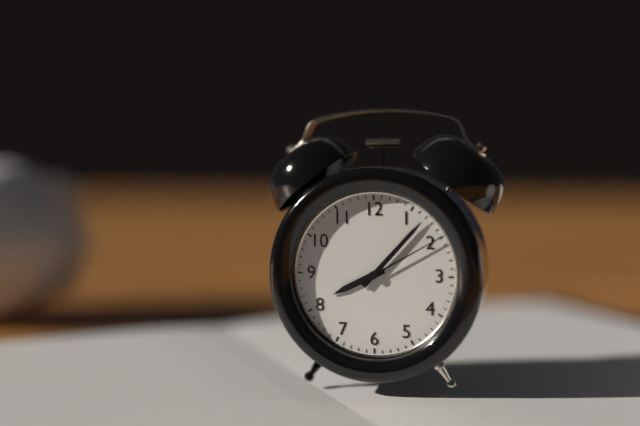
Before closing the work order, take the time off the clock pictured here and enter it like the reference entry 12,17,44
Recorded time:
8,07,10
